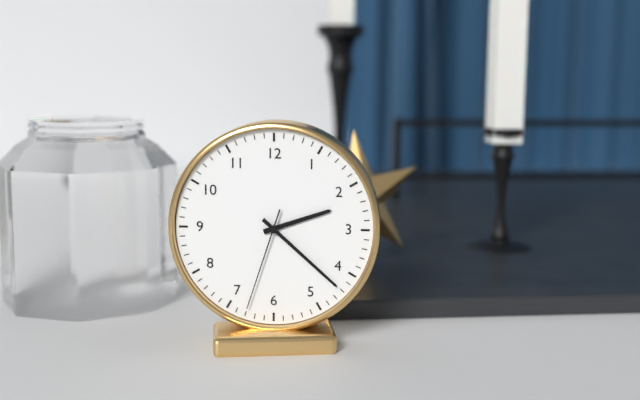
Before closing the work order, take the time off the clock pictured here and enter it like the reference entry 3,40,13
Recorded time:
2,22,33
